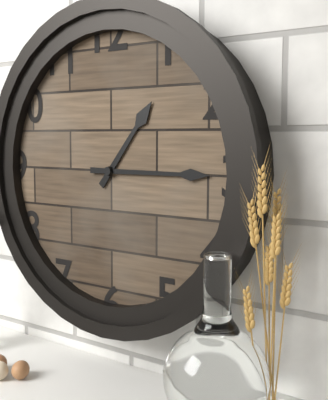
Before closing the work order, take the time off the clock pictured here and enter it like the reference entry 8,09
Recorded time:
1,15
